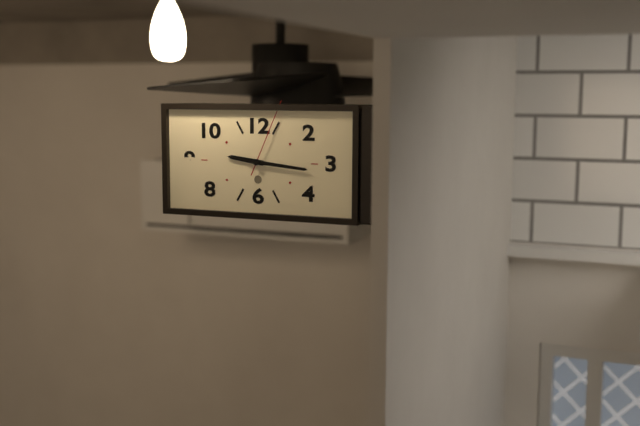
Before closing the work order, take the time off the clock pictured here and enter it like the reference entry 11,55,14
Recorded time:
9,16,04
